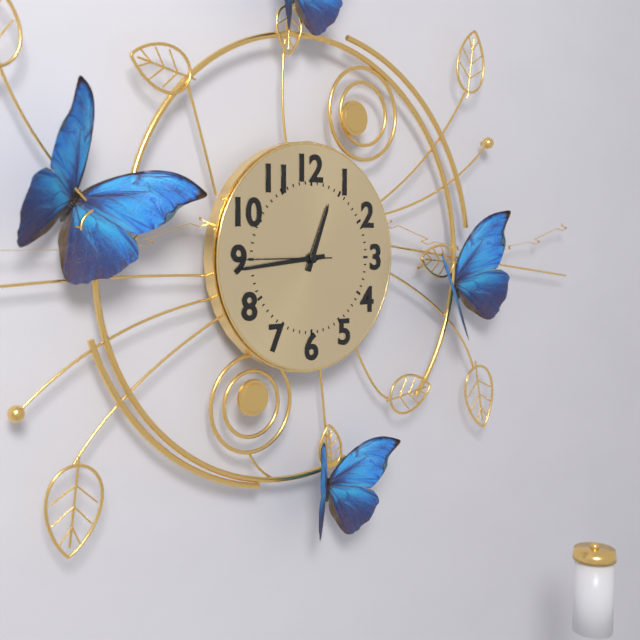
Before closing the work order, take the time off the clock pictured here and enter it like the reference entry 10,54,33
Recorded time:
12,44,45
